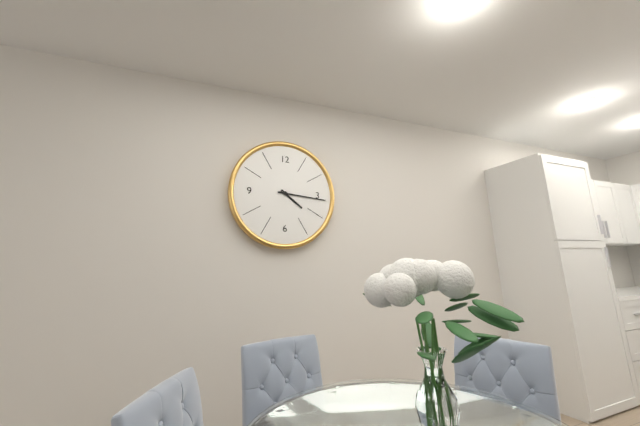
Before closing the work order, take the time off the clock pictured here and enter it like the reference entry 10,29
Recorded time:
4,16
